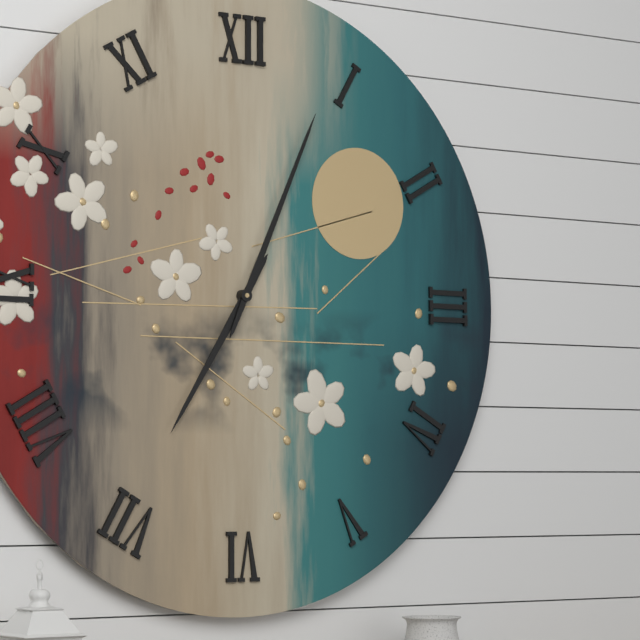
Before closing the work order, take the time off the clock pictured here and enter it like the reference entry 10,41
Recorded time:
7,04
